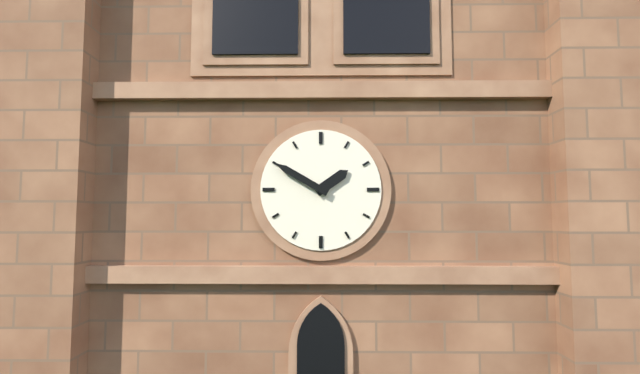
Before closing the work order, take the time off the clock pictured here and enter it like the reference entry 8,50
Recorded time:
1,50
